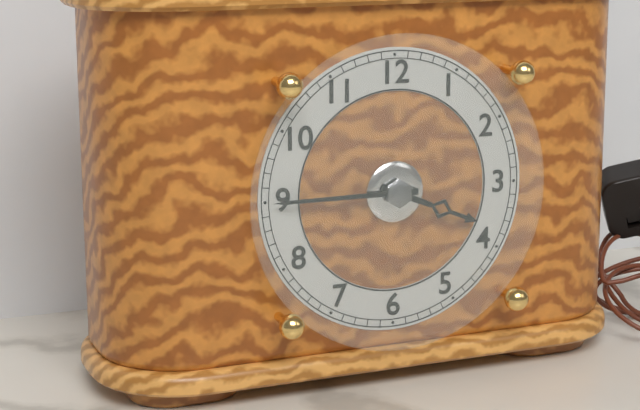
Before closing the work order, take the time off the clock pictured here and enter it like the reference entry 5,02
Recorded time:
3,45
